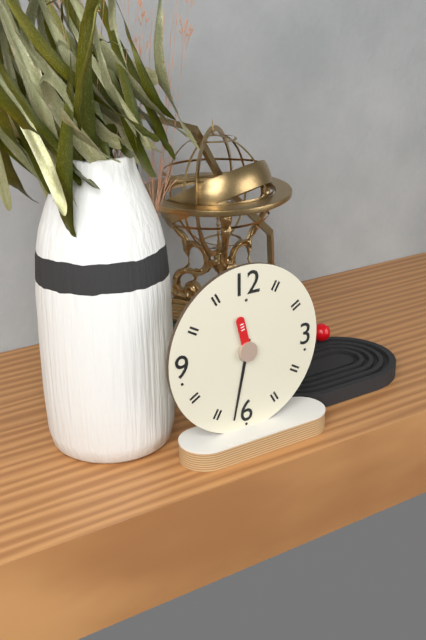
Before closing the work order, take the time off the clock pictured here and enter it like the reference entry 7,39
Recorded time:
11,32
